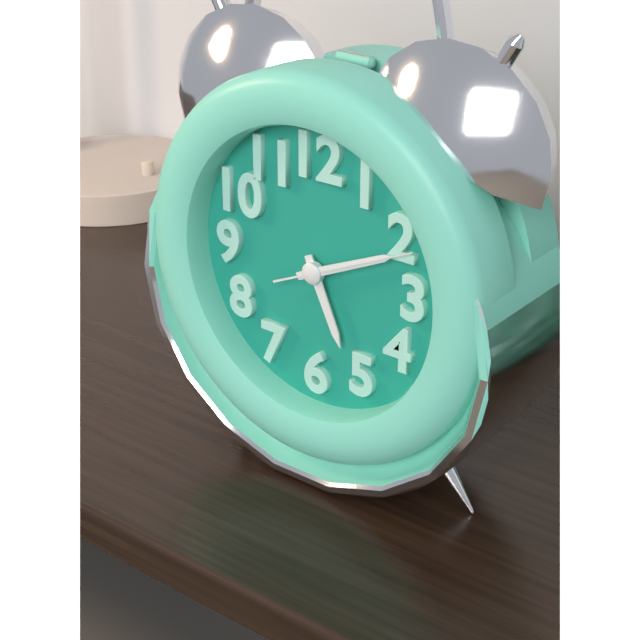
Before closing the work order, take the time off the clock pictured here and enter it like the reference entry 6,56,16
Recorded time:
5,11,11
